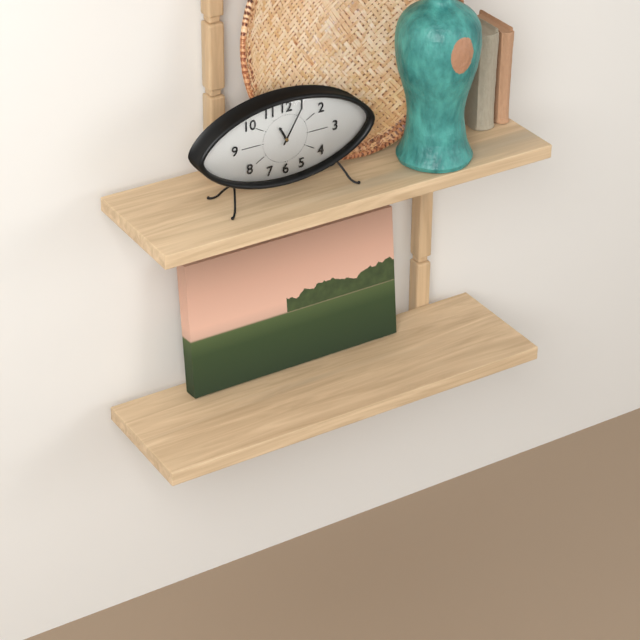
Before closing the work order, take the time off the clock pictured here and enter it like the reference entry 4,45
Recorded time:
11,05
